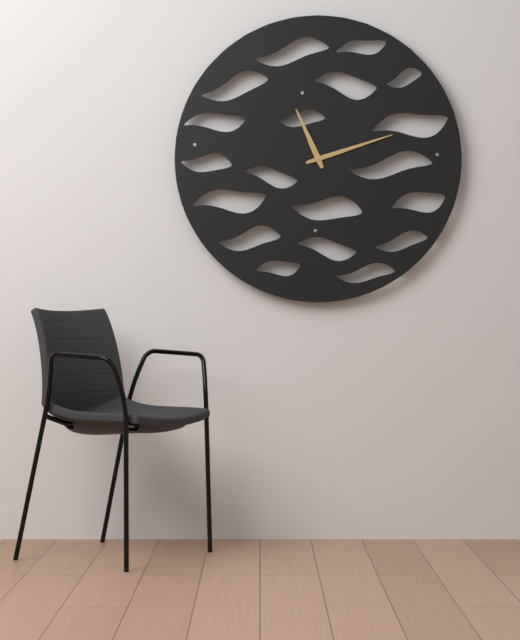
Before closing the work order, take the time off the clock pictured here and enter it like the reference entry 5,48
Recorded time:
11,12
